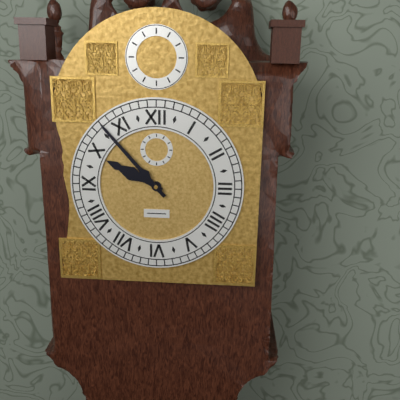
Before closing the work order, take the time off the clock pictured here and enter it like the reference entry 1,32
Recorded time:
9,53
